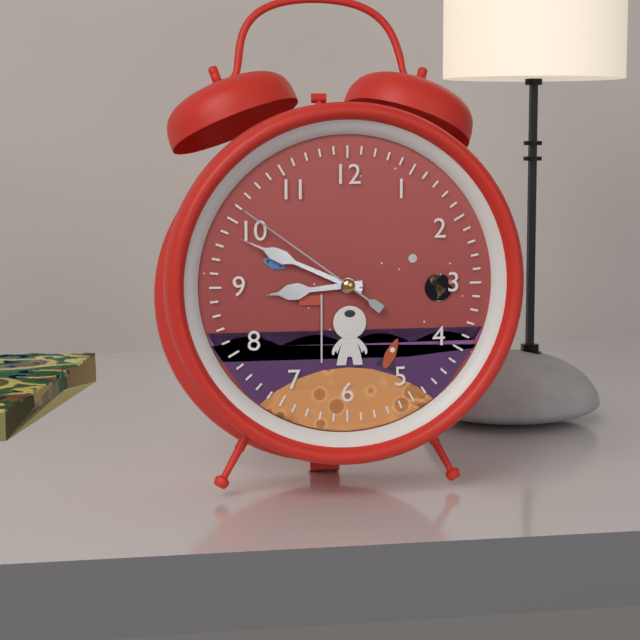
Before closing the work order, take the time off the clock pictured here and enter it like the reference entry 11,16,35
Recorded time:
8,49,51
